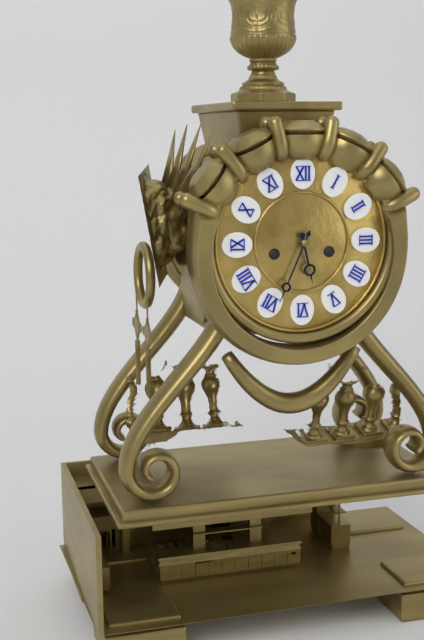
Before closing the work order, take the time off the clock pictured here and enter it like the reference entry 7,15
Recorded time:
5,34
